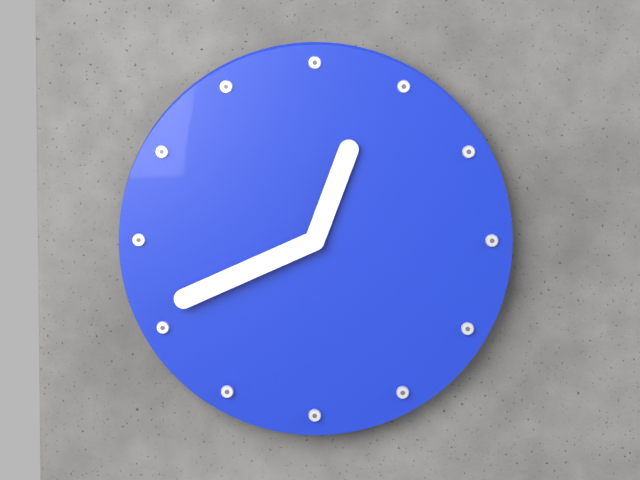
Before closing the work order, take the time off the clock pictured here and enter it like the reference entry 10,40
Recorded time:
12,41
